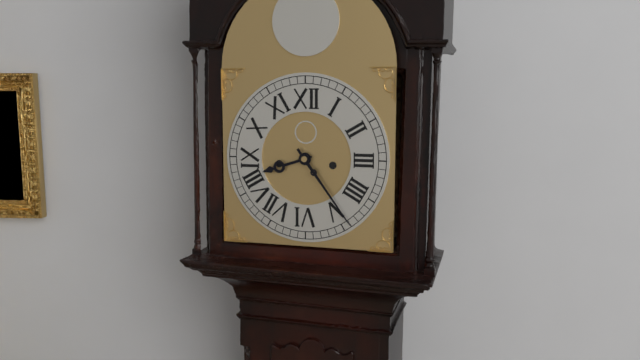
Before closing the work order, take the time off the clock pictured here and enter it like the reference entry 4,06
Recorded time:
8,24
